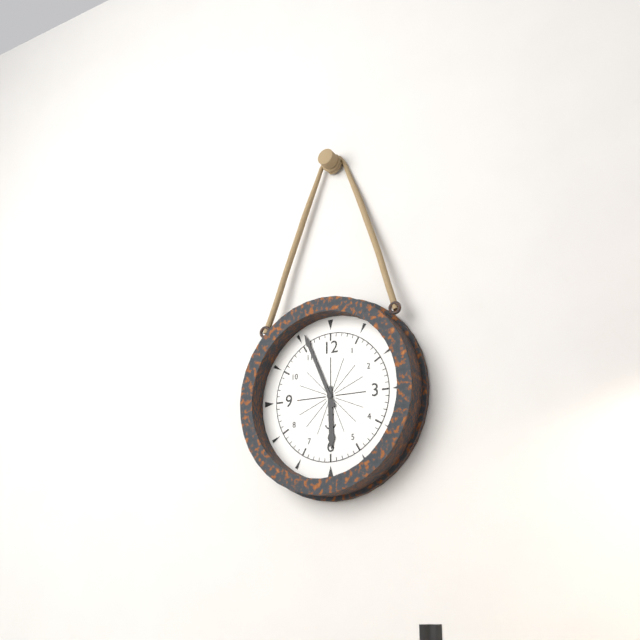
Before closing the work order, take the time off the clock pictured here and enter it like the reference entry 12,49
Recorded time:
5,56
